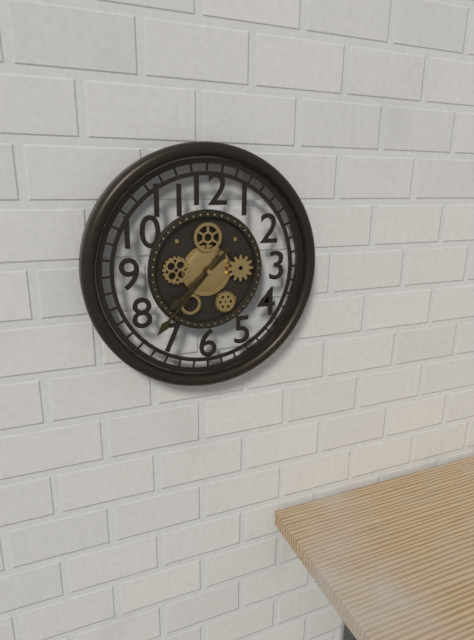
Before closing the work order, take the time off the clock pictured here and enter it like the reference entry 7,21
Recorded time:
7,37
